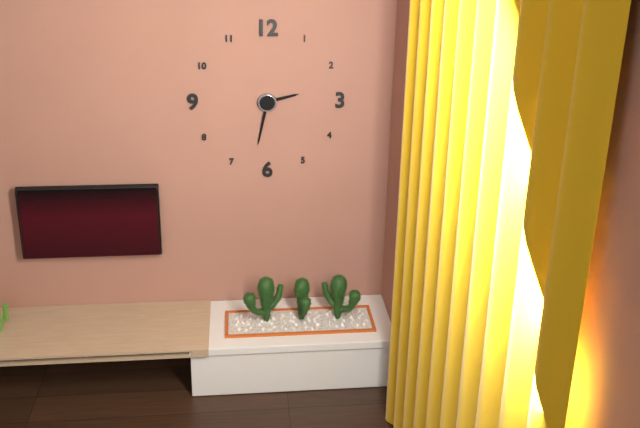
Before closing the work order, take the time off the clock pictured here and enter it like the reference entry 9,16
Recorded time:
2,32
